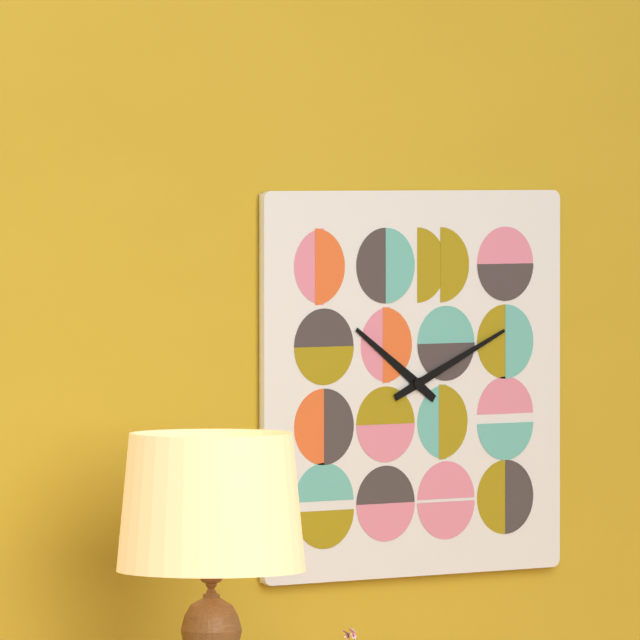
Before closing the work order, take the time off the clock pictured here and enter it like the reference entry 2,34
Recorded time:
10,11
